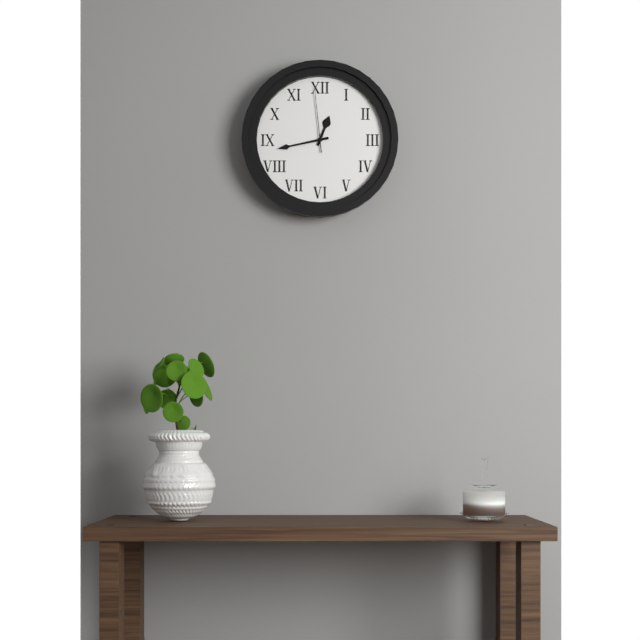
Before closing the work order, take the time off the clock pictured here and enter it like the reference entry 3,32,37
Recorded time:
12,43,59
